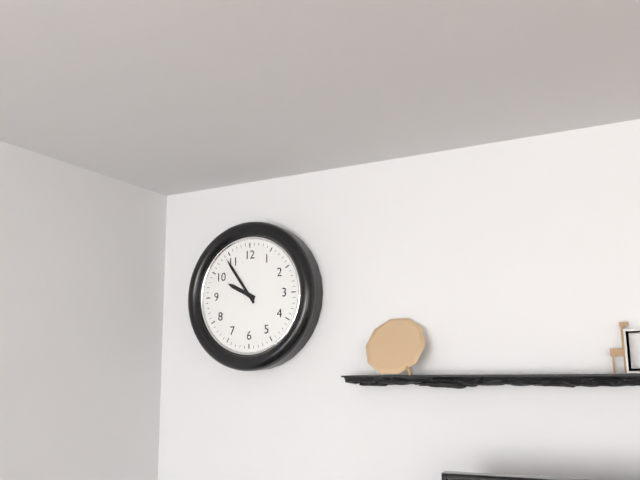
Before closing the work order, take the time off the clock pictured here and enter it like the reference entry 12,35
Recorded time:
9,54
